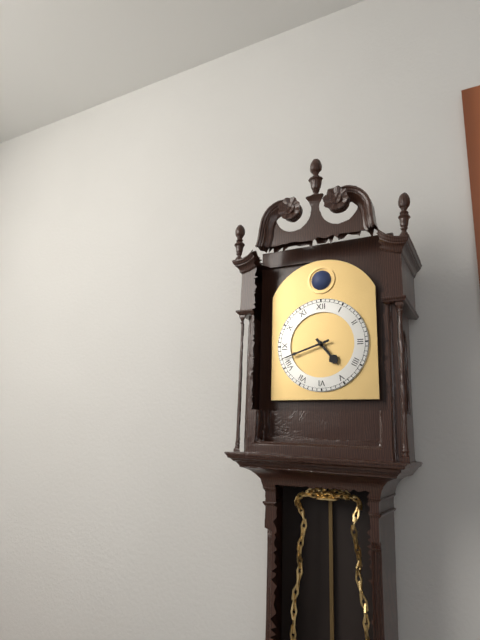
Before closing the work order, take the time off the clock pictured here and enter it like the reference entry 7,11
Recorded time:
4,42
